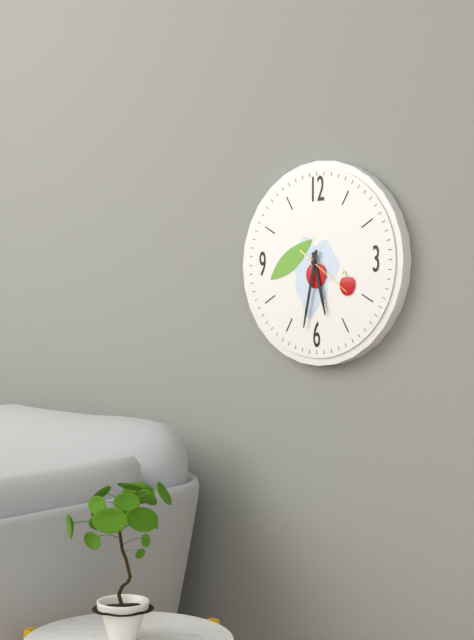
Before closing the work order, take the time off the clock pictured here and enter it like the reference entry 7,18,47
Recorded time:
5,32,21
